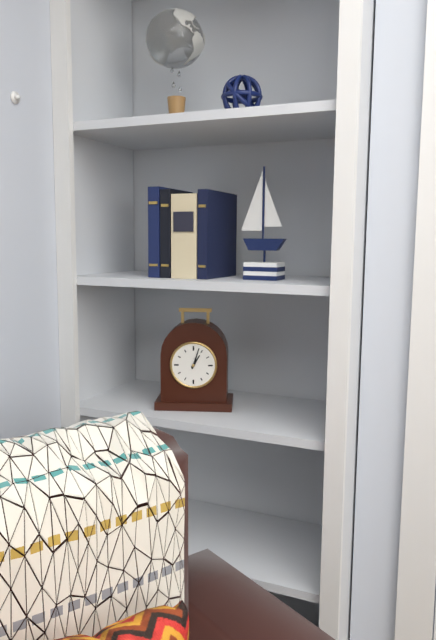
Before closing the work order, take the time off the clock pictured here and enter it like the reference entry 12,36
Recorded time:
1,03
